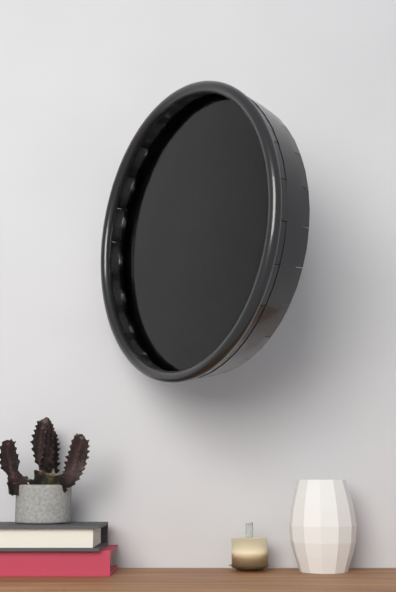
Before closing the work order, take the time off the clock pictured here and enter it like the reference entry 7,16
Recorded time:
3,24
